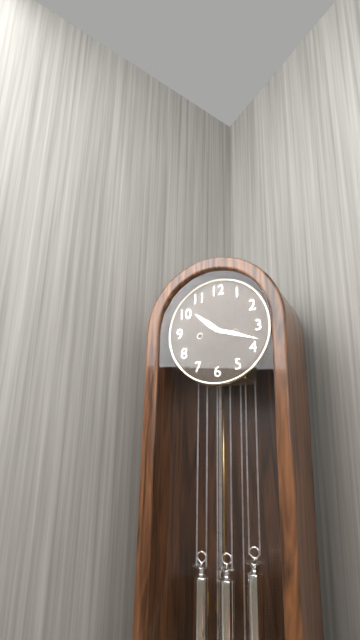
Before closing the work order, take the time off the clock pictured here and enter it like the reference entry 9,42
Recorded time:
10,18
